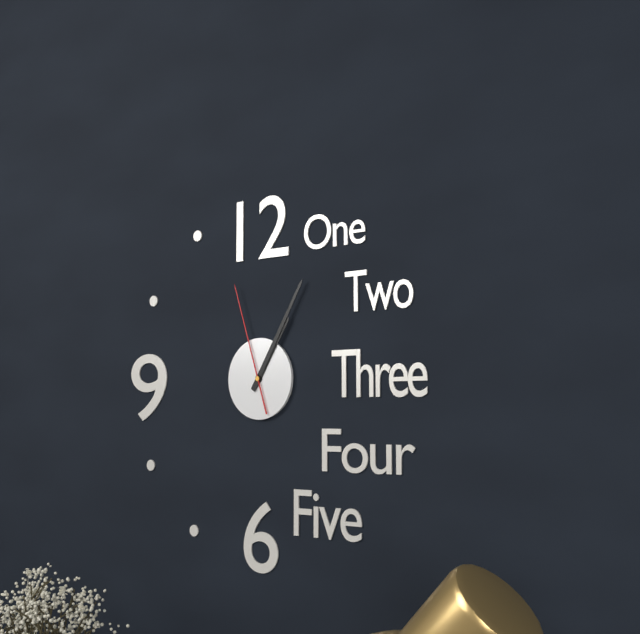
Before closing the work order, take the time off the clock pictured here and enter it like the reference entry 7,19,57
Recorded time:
1,05,57
